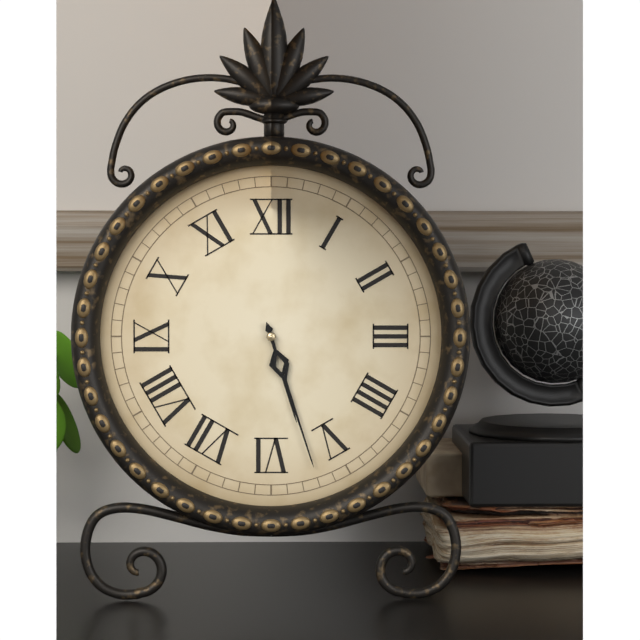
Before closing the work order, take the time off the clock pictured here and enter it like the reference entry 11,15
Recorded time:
5,27
